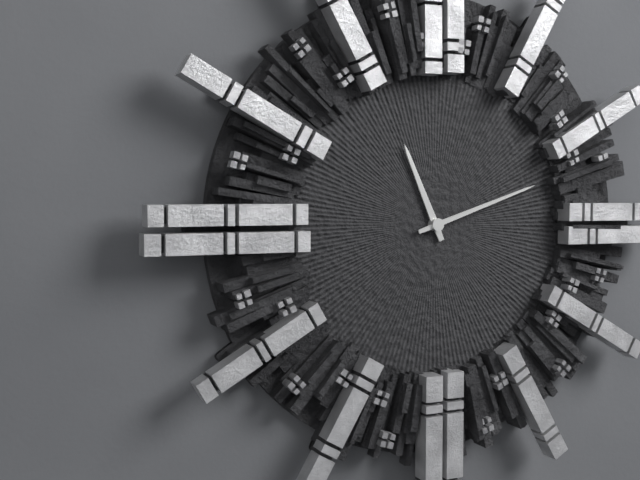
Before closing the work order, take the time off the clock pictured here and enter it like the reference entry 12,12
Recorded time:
11,12
